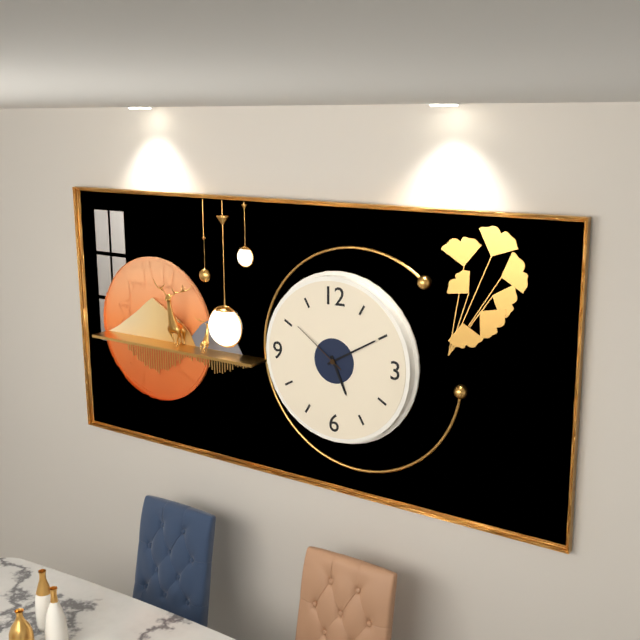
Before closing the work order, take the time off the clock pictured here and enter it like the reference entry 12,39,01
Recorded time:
5,10,51
